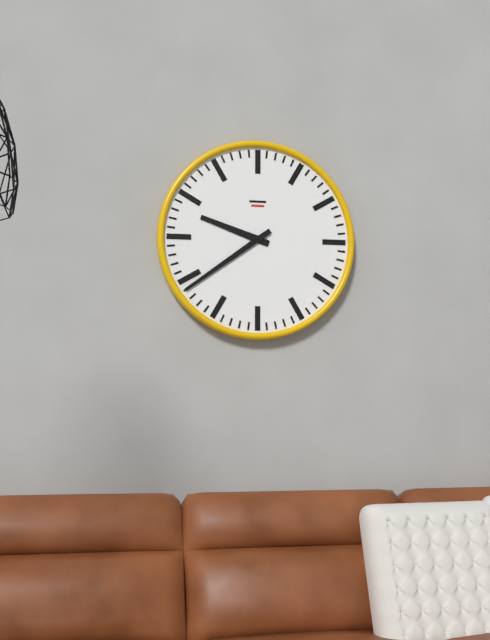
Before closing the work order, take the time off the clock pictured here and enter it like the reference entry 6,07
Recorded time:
9,39
